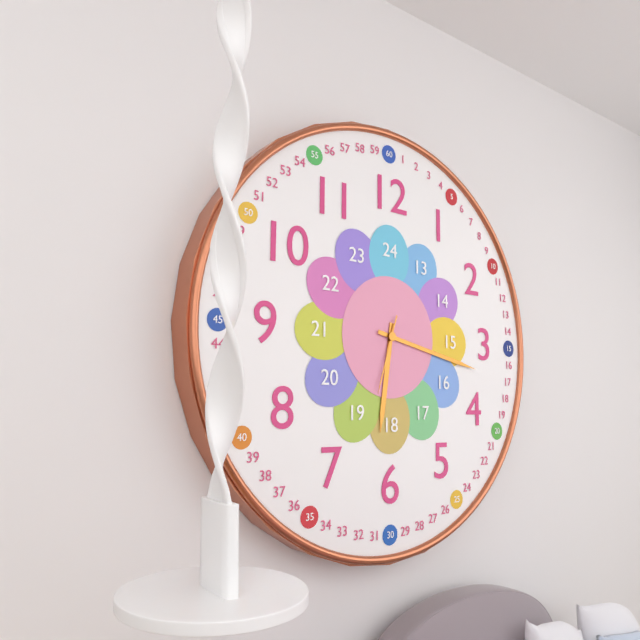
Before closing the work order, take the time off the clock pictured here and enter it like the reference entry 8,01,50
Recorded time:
6,17,33
